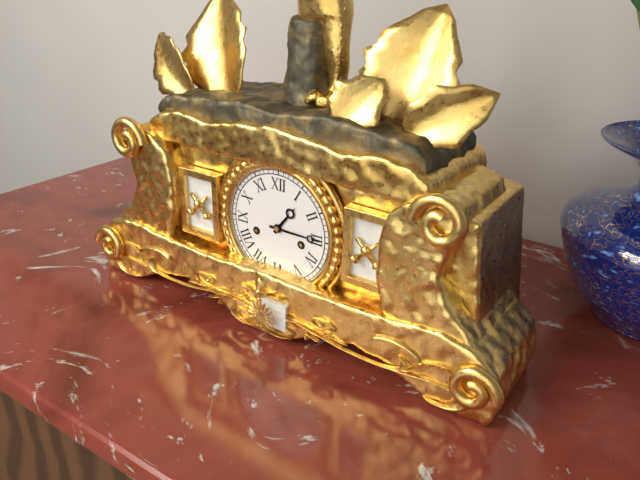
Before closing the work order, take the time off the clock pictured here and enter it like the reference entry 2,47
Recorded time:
1,15
